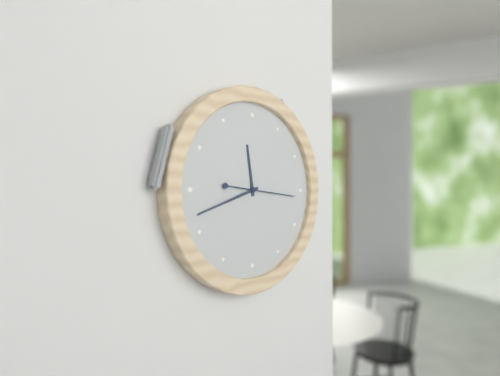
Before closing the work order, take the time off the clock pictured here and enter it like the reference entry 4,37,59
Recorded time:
11,42,16
